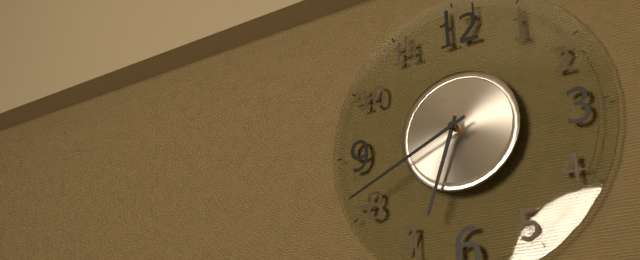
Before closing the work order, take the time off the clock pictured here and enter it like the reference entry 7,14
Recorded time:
6,41
